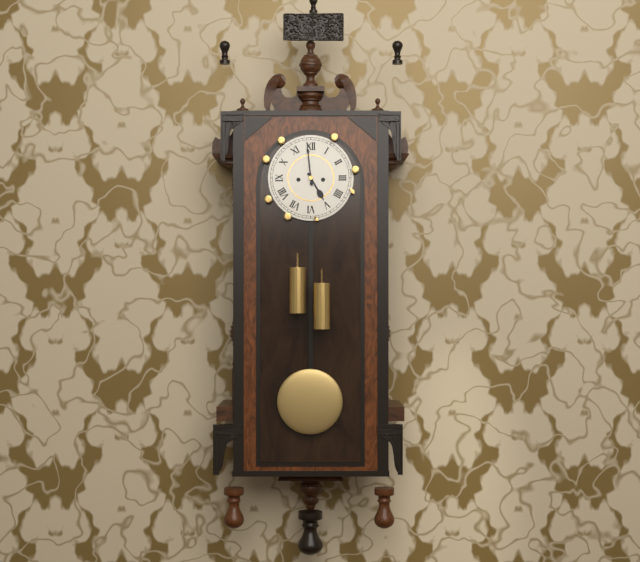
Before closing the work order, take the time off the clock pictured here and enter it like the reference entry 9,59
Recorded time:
4,59
